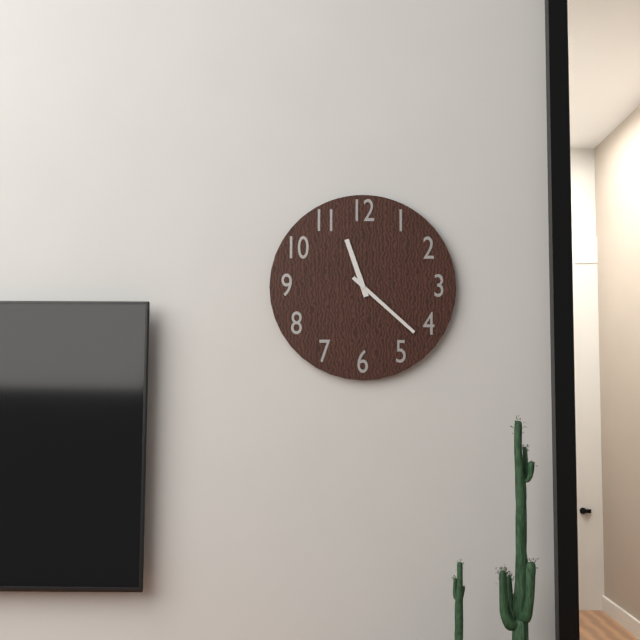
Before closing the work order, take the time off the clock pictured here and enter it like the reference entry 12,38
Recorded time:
11,22
